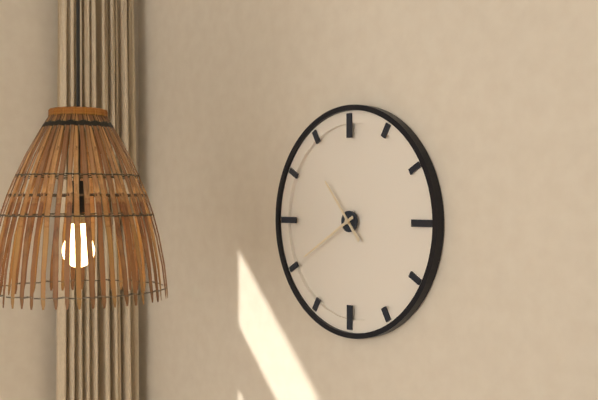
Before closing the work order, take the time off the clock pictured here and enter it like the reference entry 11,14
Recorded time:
10,40
